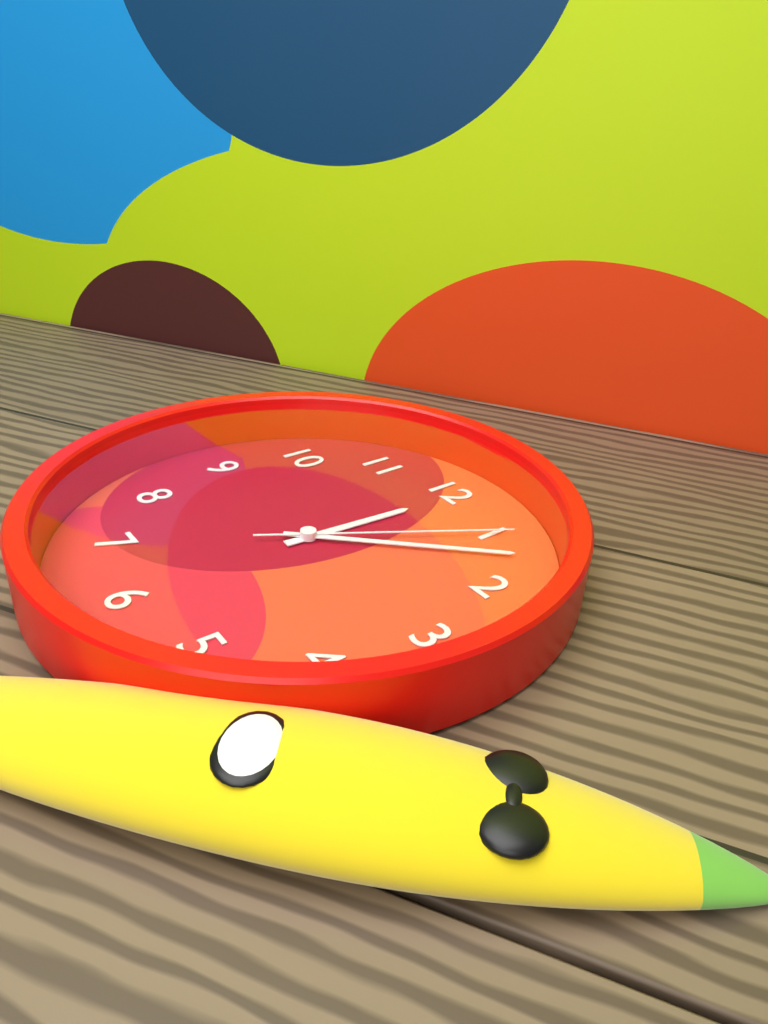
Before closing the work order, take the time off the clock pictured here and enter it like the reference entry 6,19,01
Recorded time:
12,07,05
